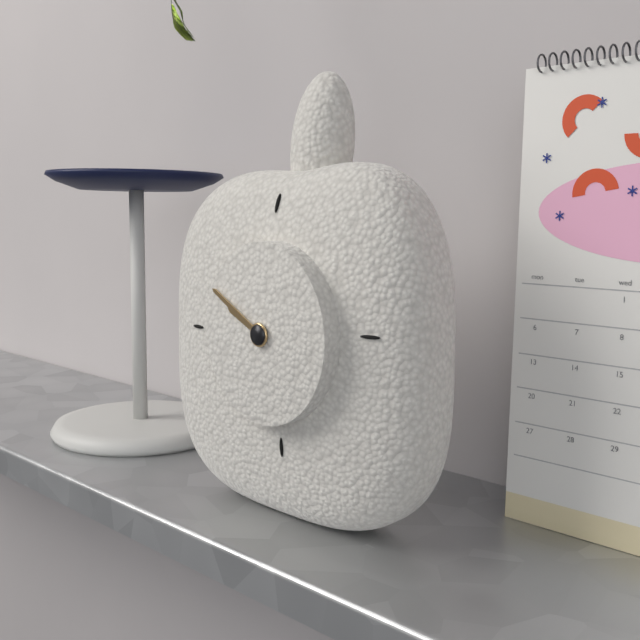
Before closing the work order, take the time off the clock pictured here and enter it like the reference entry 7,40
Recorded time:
9,50
